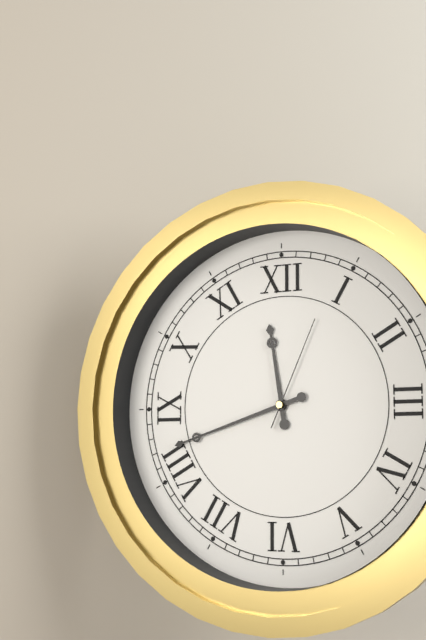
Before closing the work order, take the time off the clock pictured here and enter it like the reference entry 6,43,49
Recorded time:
11,42,04
